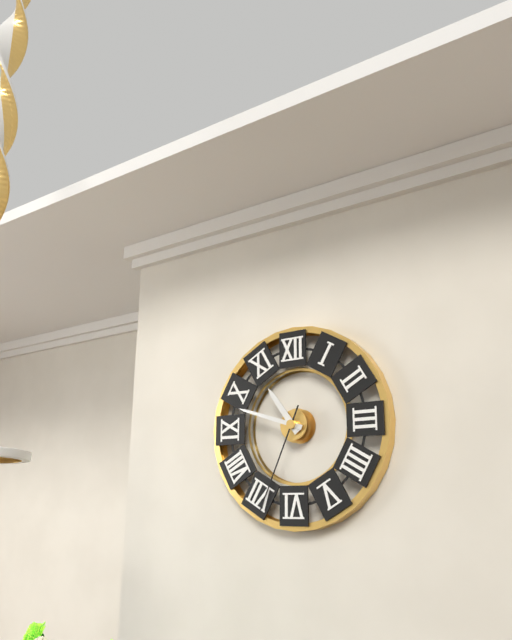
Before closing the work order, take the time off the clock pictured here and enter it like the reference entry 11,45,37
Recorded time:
10,48,34
